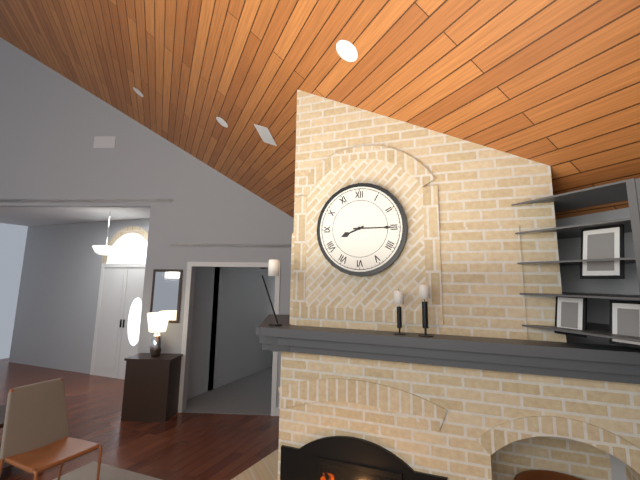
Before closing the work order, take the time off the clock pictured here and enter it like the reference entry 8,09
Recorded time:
8,15
